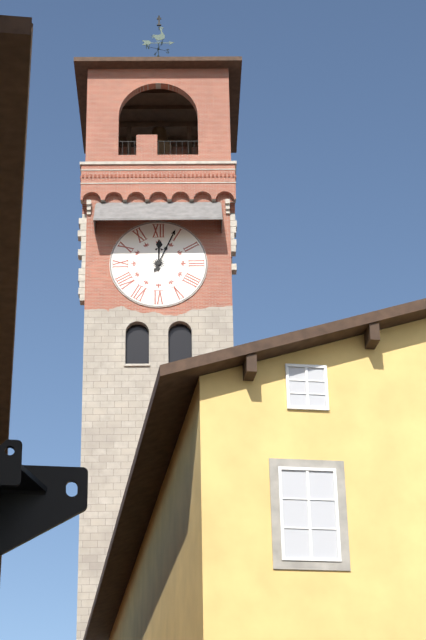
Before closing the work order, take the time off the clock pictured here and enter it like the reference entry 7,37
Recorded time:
12,04
